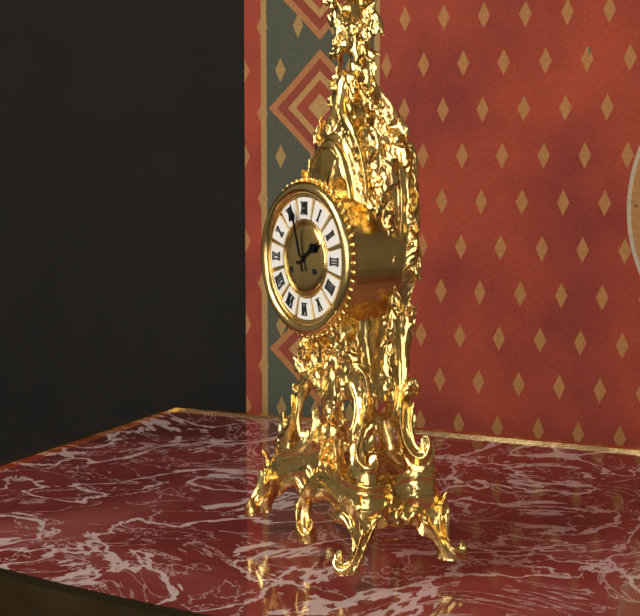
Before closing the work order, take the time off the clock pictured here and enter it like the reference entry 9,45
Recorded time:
1,57
